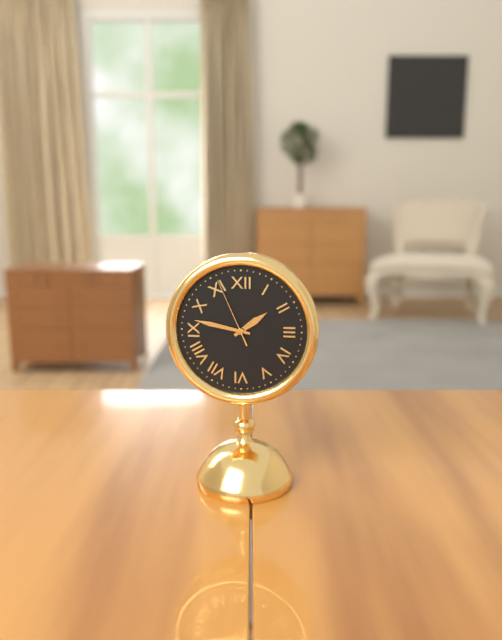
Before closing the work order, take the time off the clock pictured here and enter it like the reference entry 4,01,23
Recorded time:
1,47,56
